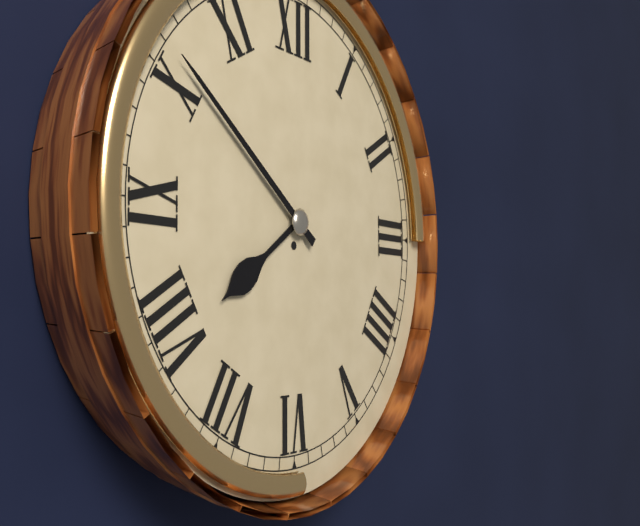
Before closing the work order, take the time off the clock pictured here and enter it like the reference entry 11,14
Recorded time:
7,51
